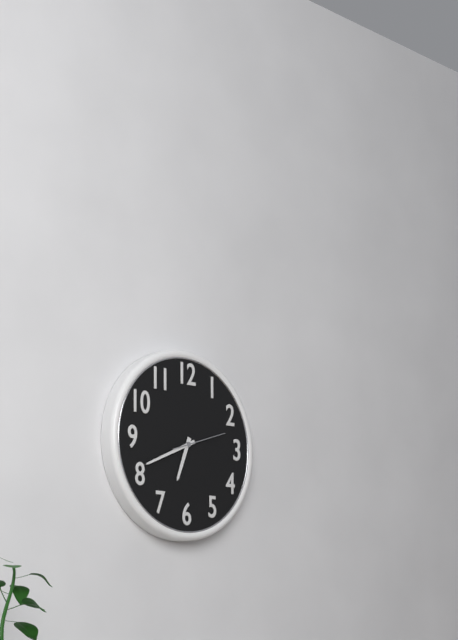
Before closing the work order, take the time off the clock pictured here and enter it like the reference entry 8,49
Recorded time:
6,41
